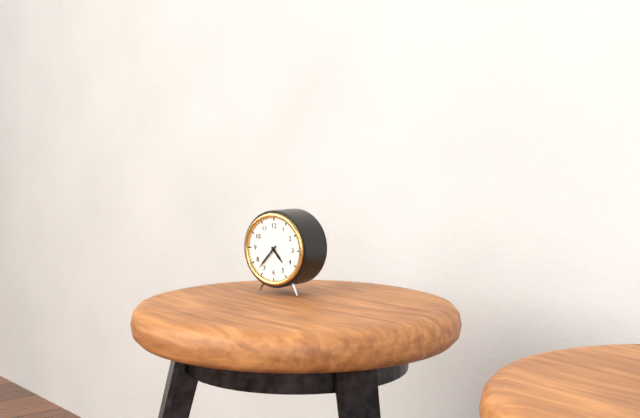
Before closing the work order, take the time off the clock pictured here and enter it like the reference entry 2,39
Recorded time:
4,37
